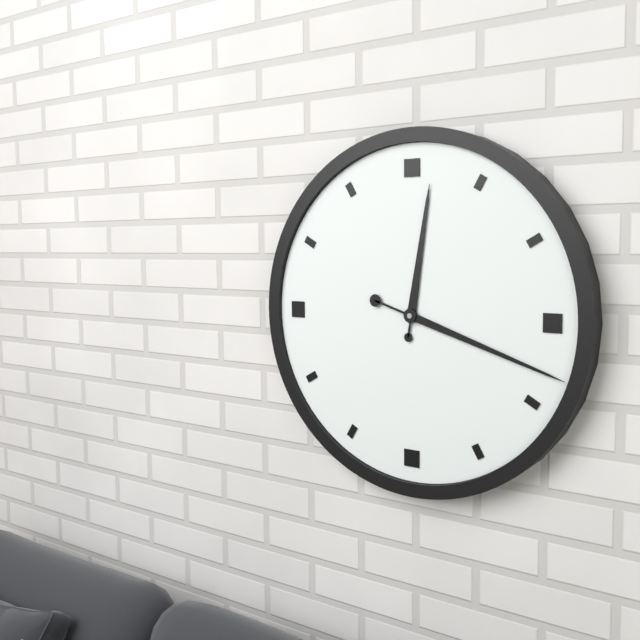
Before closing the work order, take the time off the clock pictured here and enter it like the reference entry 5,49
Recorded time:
12,18
